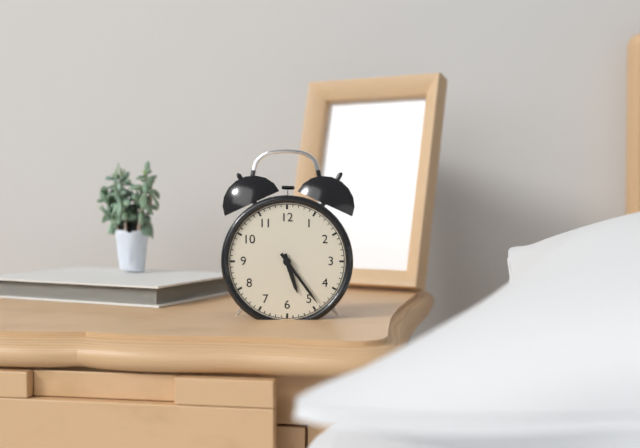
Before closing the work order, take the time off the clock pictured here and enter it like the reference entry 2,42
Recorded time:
5,24
